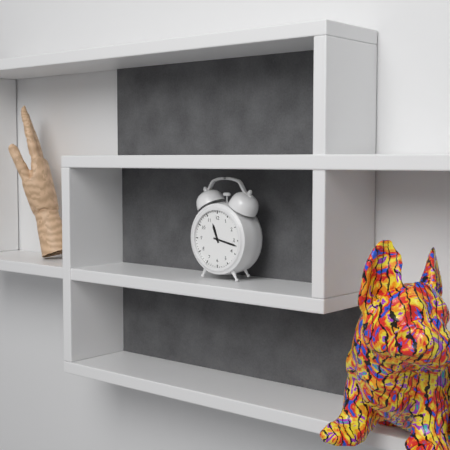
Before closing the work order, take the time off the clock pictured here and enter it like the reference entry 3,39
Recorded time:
11,17
